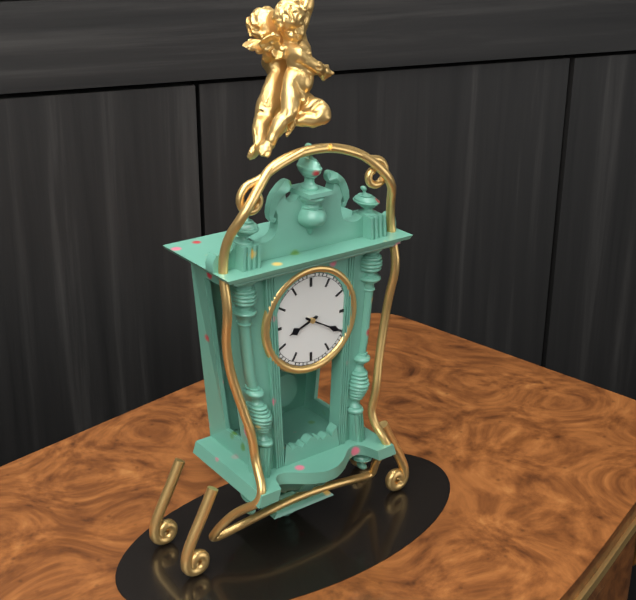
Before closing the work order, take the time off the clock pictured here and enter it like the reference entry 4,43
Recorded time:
8,20
